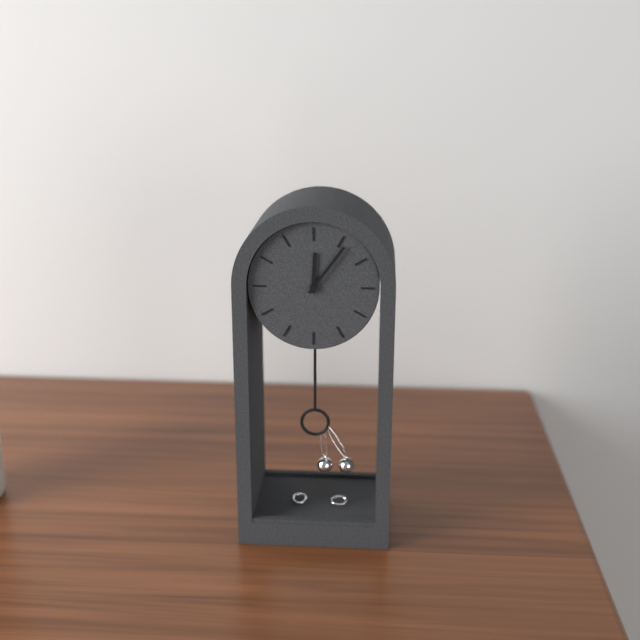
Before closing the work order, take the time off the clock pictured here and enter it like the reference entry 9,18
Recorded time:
12,06
